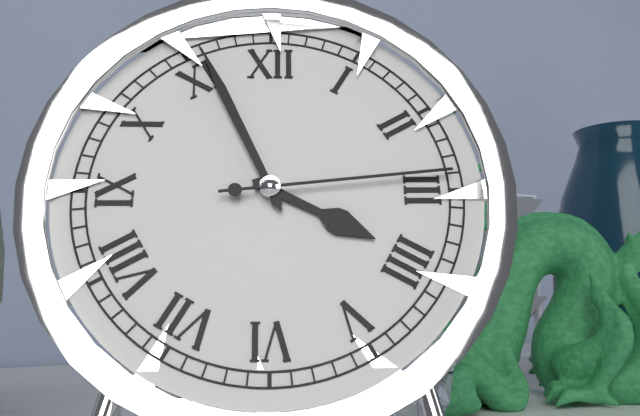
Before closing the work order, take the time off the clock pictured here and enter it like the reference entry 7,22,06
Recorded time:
3,56,14
